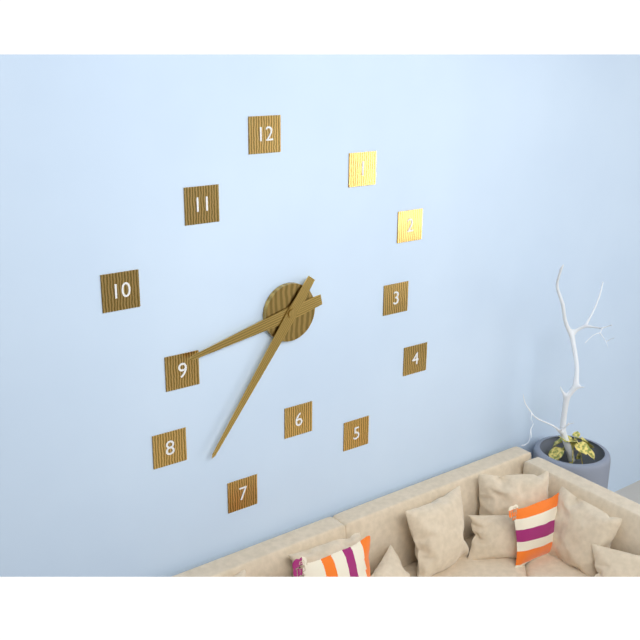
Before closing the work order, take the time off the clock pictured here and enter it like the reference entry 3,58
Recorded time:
8,36
